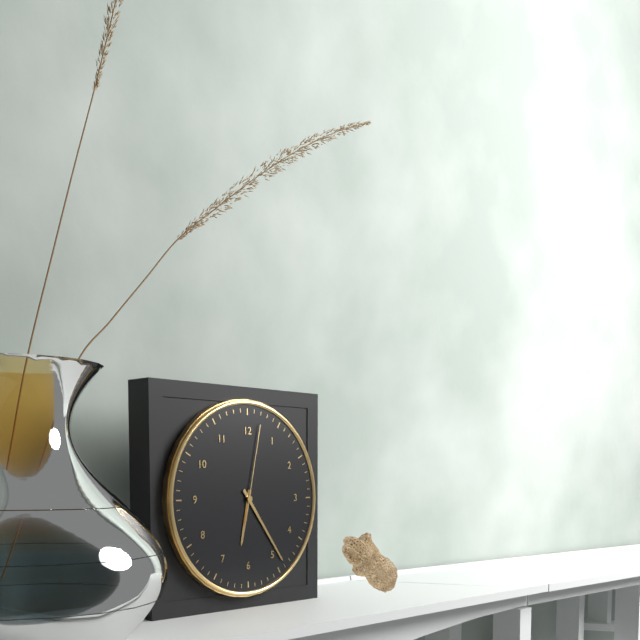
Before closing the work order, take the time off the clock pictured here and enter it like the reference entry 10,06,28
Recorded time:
6,24,02
